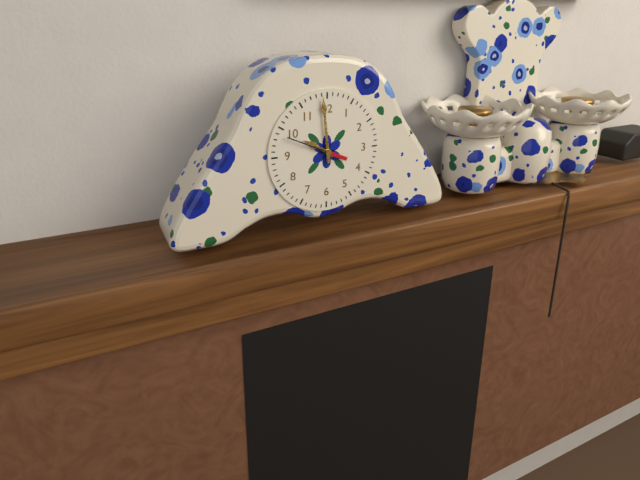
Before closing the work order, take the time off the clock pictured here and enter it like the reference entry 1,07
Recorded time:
9,59
